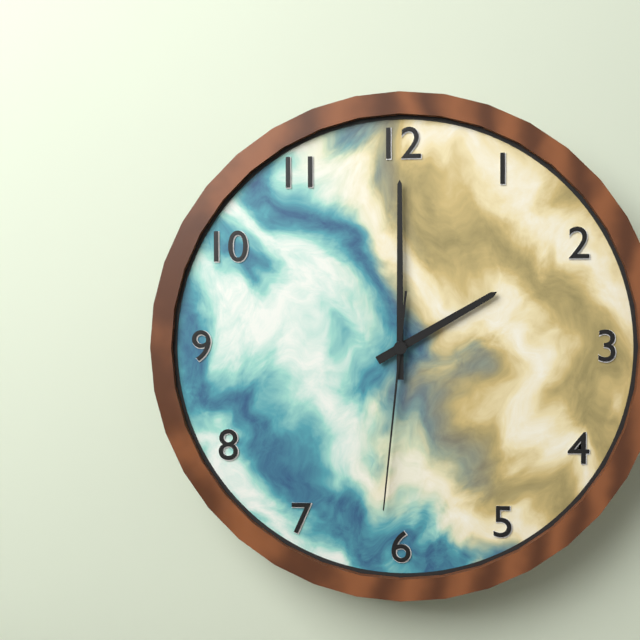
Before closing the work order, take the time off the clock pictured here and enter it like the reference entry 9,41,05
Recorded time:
2,00,31
